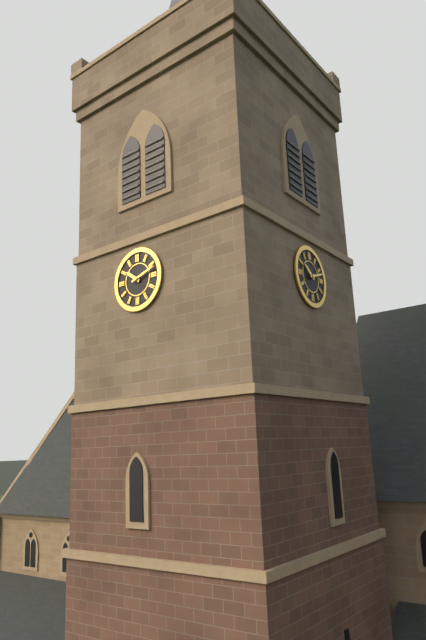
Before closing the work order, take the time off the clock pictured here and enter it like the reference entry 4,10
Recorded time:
10,12
